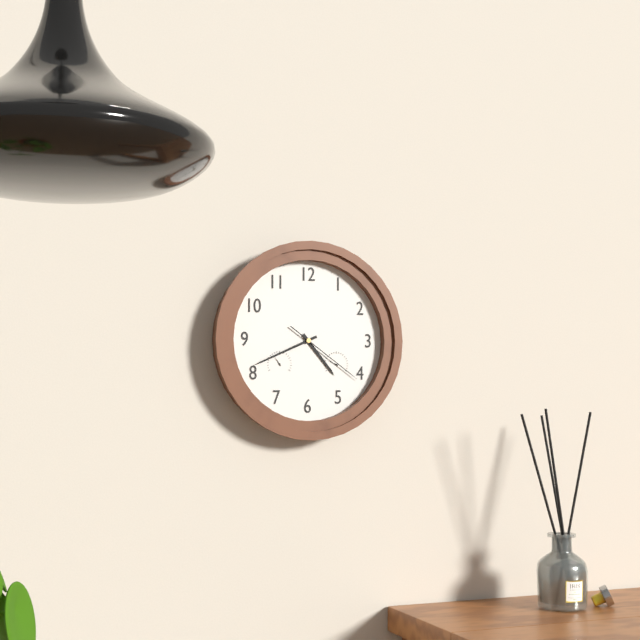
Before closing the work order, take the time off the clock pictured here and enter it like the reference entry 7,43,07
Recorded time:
4,41,21
